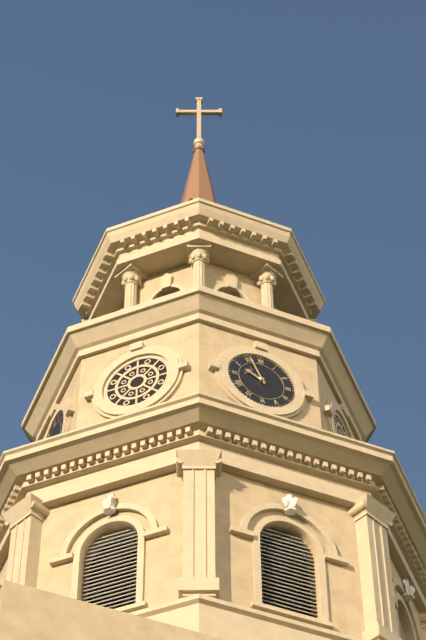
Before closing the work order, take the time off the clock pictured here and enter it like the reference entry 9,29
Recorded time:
9,56
